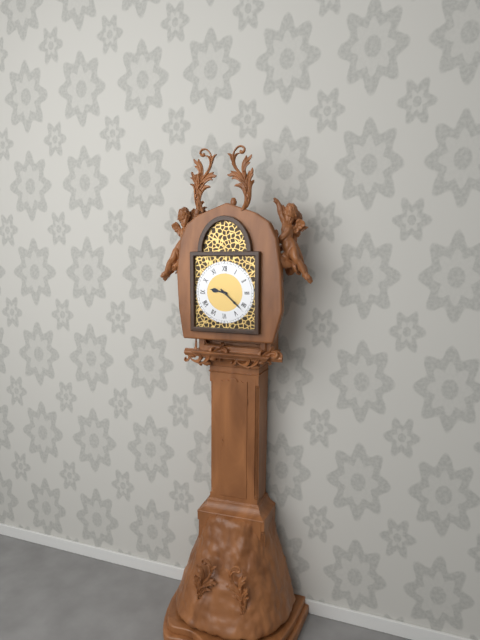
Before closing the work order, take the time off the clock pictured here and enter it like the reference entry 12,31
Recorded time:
9,22
